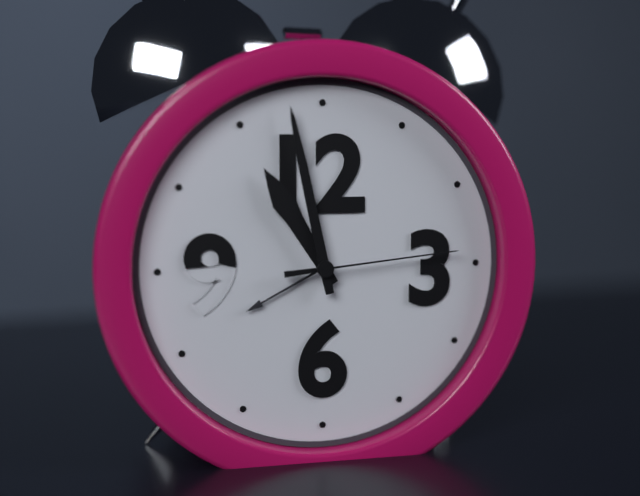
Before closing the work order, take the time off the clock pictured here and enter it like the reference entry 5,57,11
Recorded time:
10,58,14
